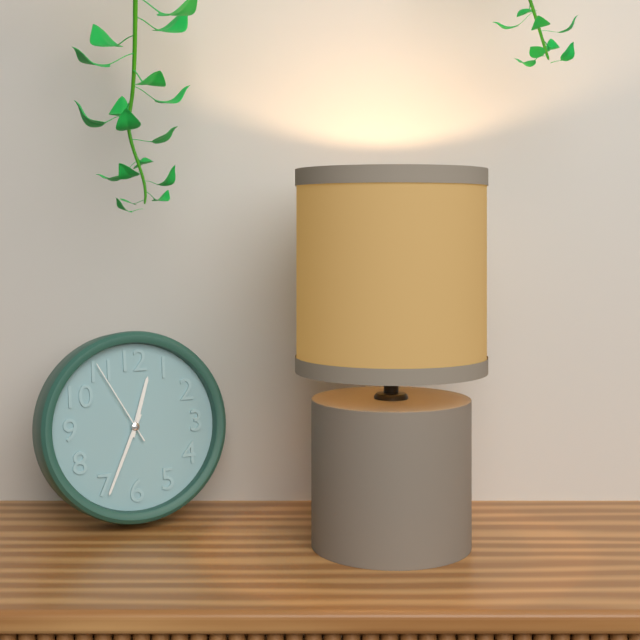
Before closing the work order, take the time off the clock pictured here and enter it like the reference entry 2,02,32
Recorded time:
12,34,55
